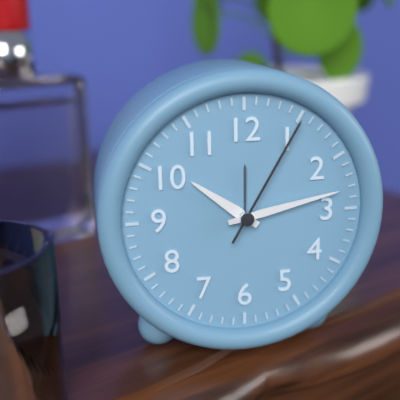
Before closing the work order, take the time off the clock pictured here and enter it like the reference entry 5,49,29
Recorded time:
10,13,05
